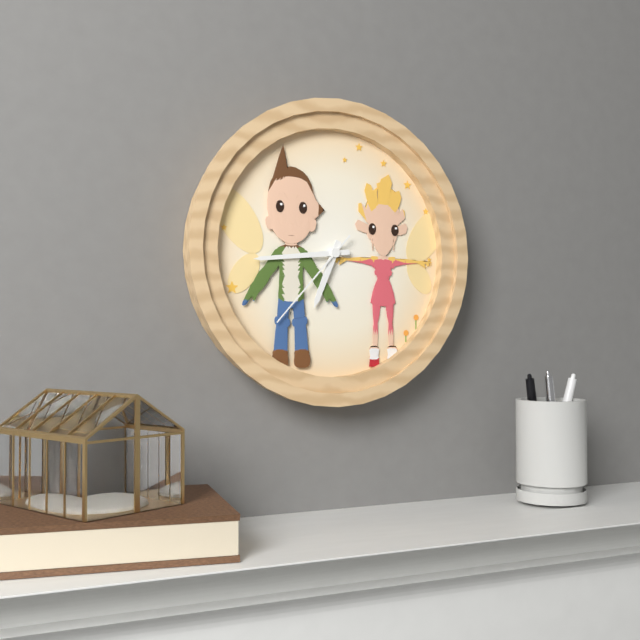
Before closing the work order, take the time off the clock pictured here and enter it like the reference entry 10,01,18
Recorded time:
6,44,37
